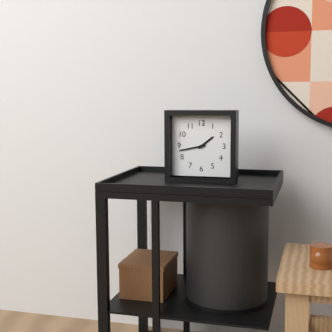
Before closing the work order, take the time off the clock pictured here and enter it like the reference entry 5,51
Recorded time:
1,43
